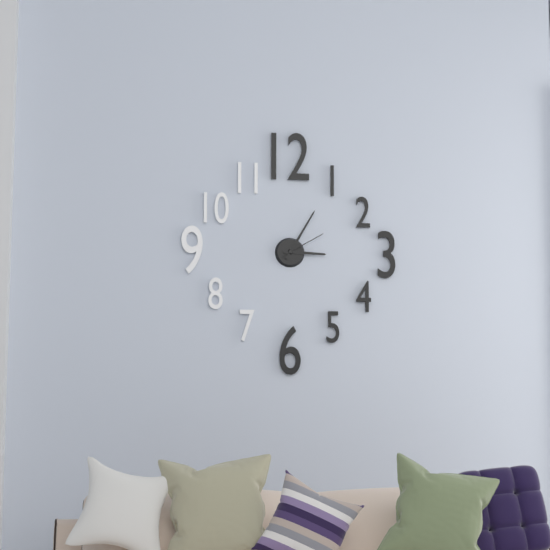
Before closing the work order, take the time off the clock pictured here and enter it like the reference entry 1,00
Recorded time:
3,05
